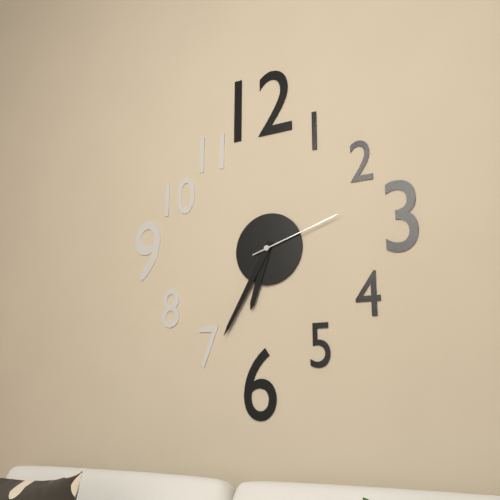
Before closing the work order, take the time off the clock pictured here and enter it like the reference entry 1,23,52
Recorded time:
6,35,12
